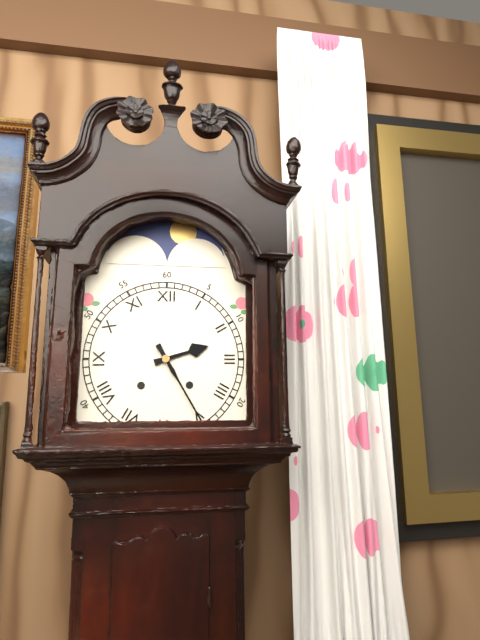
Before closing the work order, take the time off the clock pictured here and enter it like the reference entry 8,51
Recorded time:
2,25
